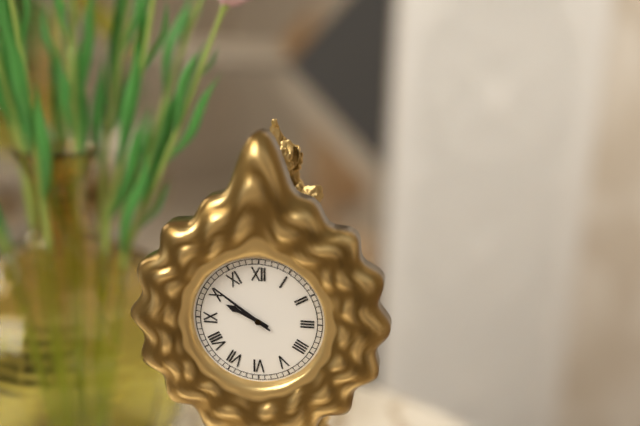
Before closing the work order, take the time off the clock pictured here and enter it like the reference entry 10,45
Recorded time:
9,51
